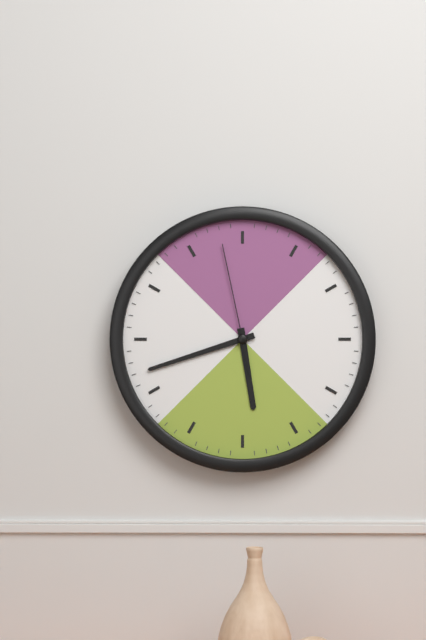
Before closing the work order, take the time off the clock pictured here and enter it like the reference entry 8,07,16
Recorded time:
5,42,58
